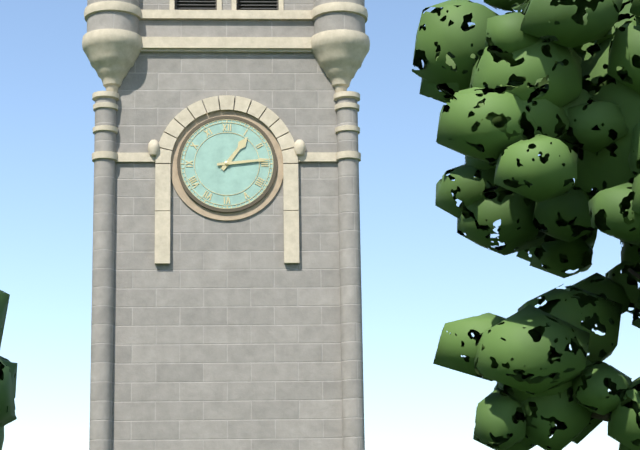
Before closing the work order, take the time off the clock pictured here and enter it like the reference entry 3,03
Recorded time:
1,14
